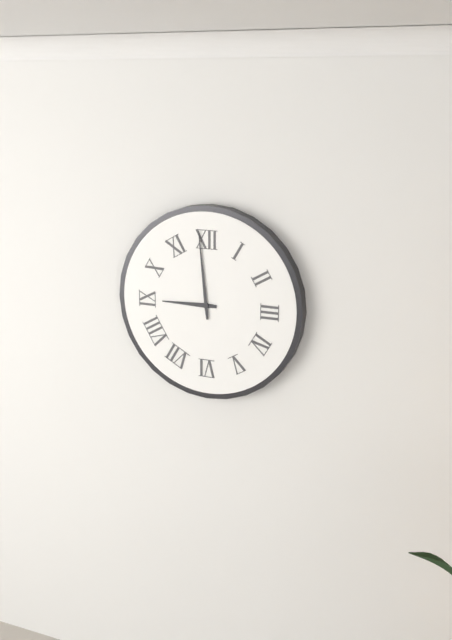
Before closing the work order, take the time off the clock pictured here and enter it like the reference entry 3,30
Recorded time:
8,59
